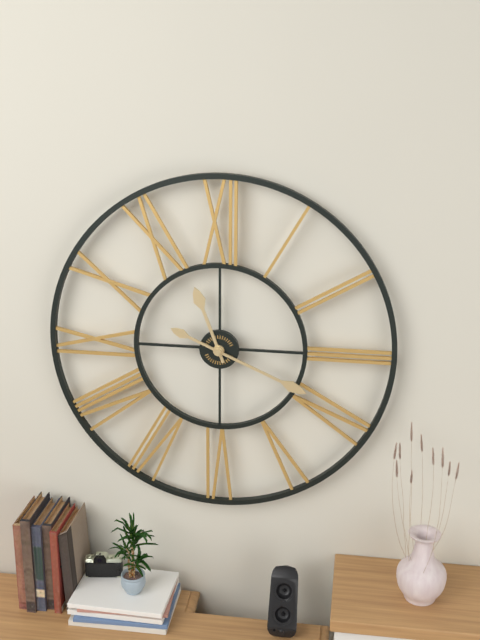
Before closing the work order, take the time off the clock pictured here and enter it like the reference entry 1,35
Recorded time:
11,19
